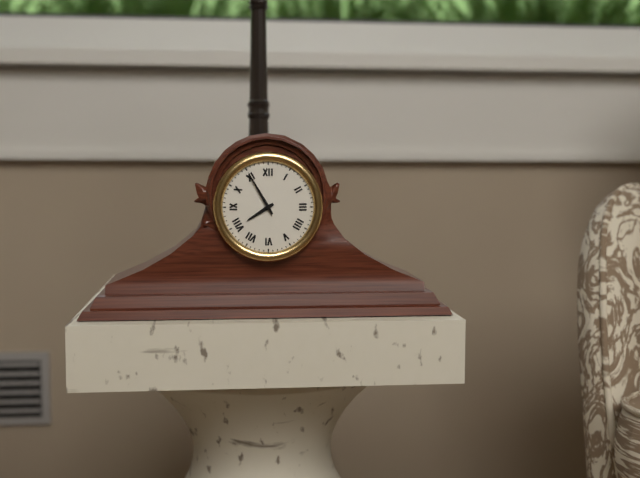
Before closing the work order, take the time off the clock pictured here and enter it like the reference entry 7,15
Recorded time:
7,55
